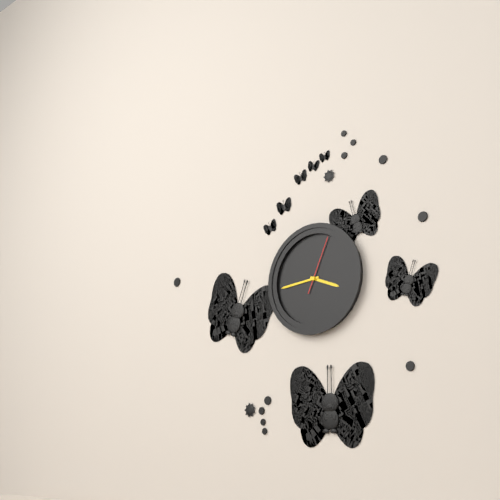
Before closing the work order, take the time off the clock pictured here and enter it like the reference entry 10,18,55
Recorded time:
3,44,04
